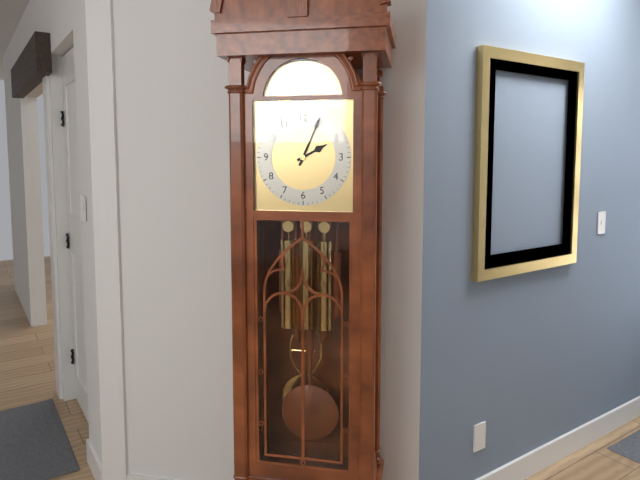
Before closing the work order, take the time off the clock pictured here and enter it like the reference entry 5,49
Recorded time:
2,04
